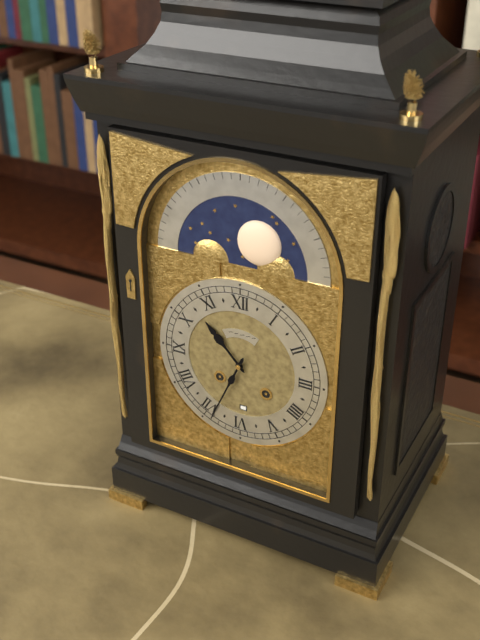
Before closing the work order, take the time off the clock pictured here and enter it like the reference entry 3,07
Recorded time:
10,34
